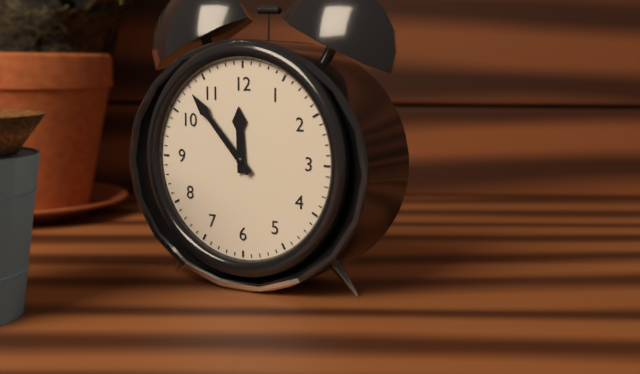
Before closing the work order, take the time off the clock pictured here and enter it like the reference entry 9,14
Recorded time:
11,53
